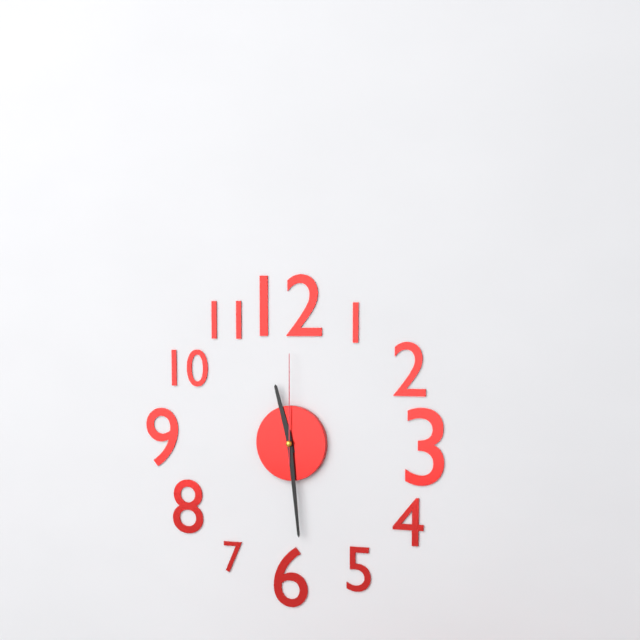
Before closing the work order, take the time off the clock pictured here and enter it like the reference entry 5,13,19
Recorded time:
11,29,00
